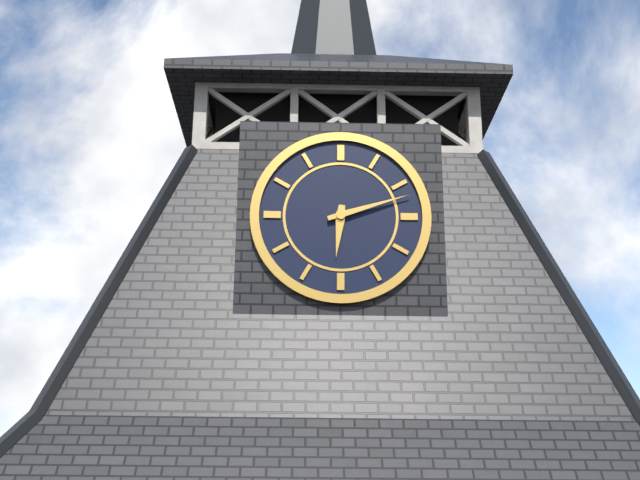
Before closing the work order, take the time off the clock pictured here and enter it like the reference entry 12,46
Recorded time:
6,12
